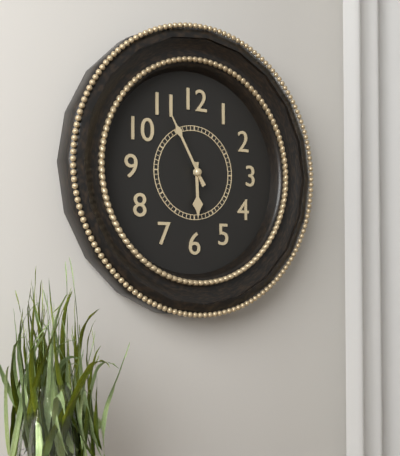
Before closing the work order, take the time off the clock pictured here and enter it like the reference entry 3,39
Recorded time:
5,55
